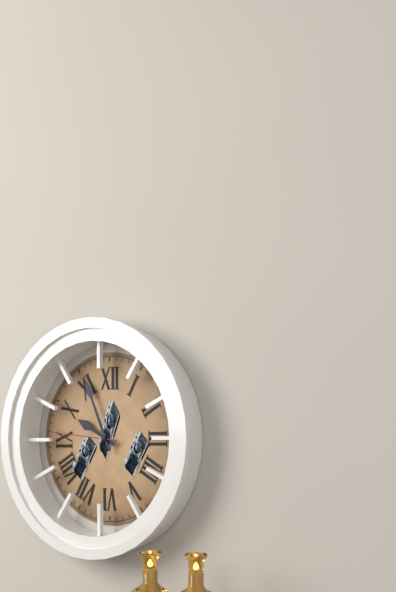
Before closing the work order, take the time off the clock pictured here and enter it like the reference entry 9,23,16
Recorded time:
9,56,46
